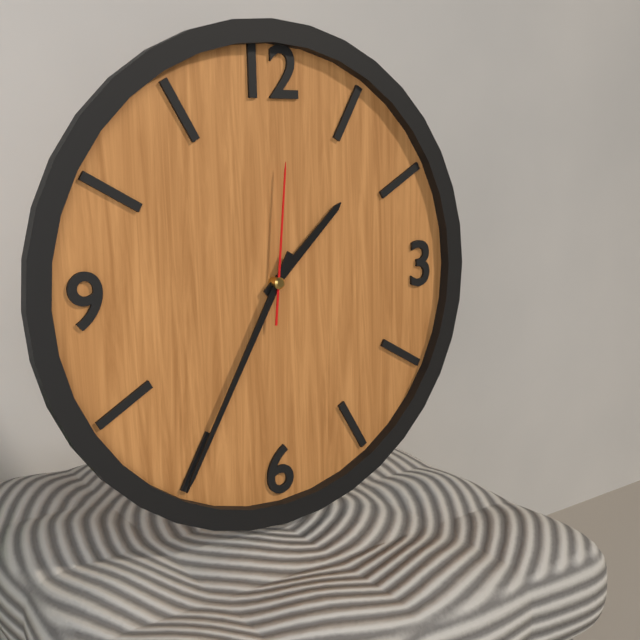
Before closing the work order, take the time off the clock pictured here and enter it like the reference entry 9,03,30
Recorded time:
1,35,01
